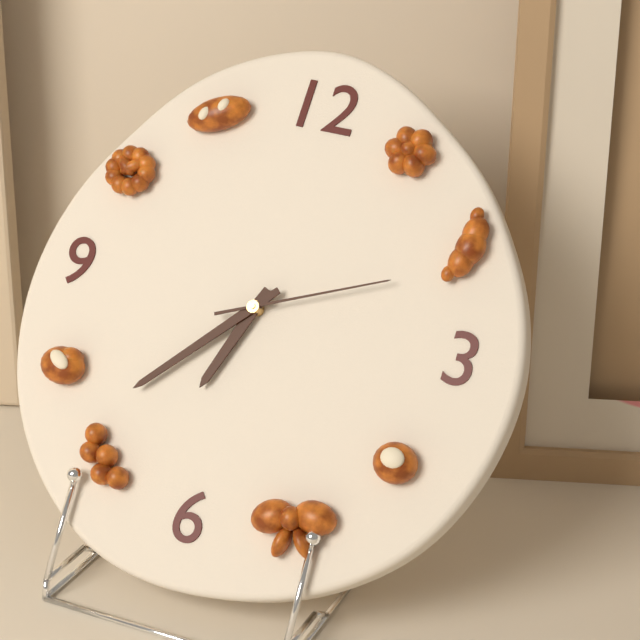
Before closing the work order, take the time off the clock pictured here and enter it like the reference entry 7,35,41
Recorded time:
6,37,11
